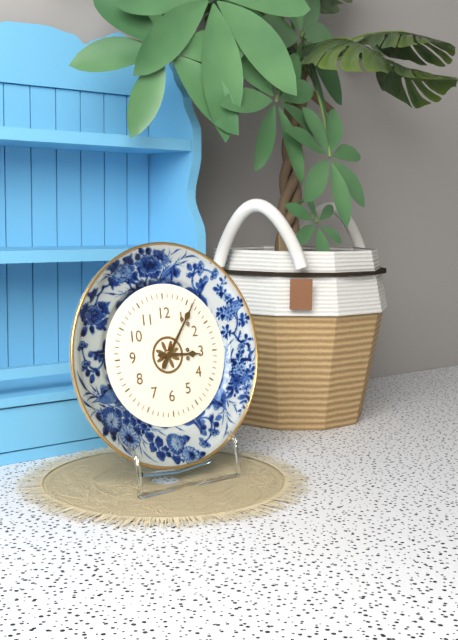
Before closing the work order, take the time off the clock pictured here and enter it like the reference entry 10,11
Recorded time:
3,06
